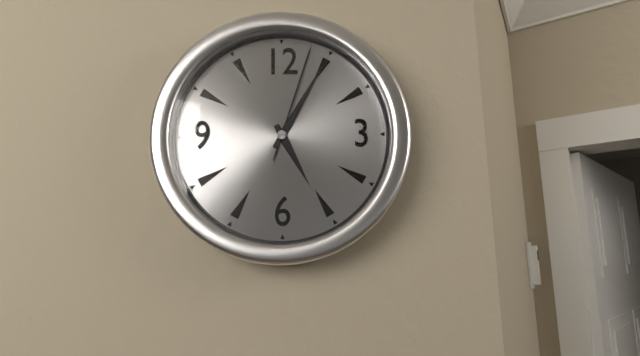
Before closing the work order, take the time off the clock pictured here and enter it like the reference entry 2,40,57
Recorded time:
5,05,03
